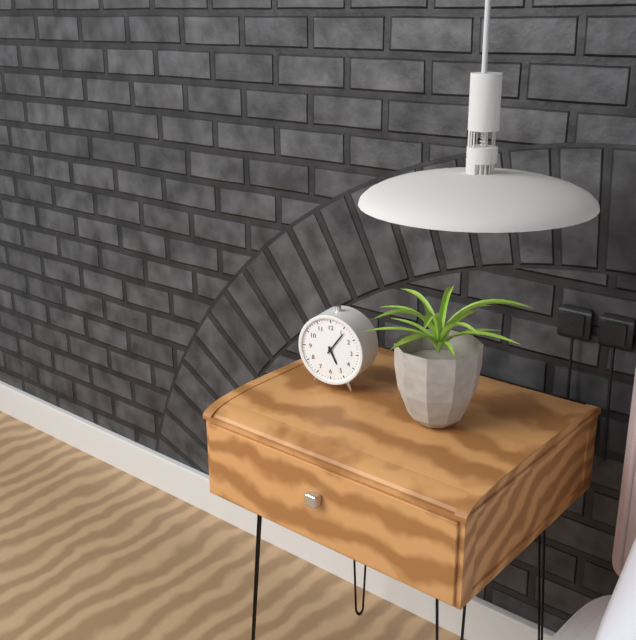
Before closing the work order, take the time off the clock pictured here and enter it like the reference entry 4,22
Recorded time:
5,06
